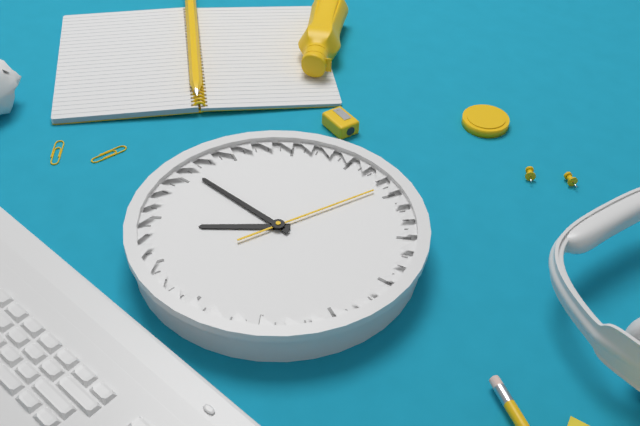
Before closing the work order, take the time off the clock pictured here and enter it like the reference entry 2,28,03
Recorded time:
7,46,04
